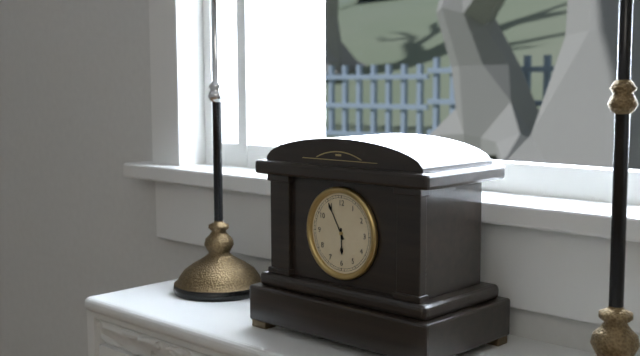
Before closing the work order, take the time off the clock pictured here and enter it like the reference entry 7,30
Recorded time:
5,55
